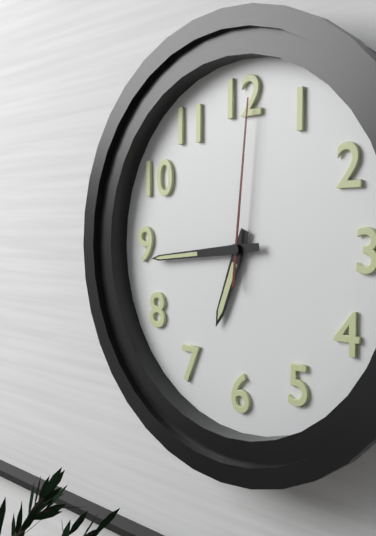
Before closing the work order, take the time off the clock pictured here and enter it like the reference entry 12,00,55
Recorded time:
6,44,01
